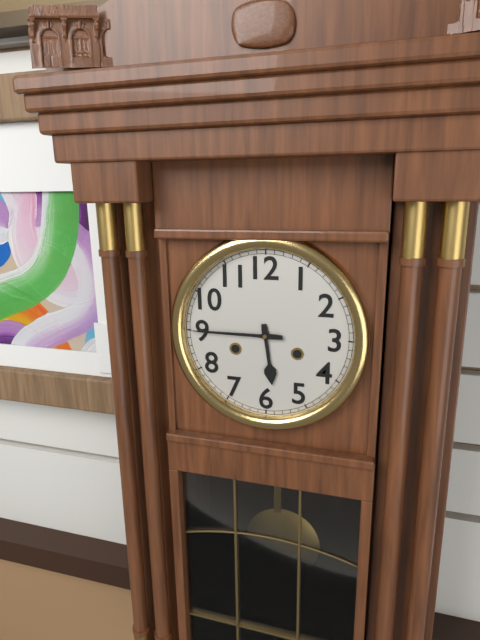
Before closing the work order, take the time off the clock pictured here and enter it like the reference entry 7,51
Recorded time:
5,45
